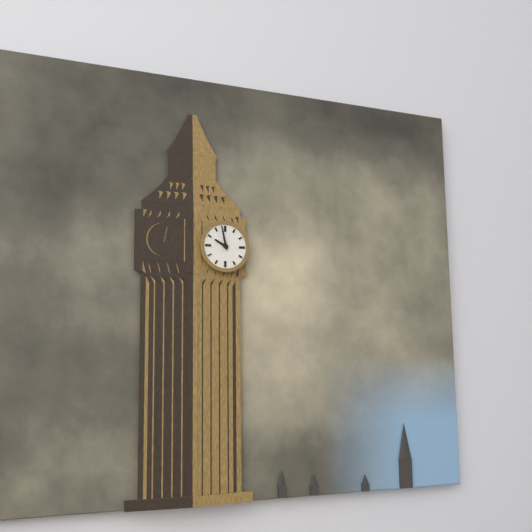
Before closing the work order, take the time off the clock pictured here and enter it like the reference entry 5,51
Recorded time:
9,58
